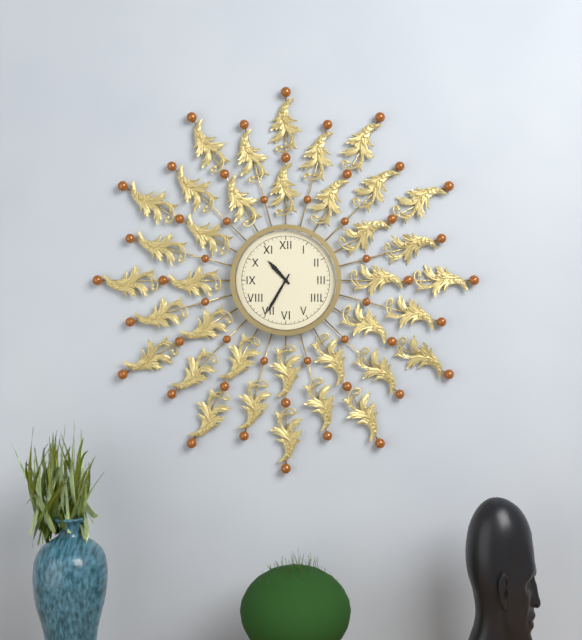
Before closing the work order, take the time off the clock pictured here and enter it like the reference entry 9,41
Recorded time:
10,35
